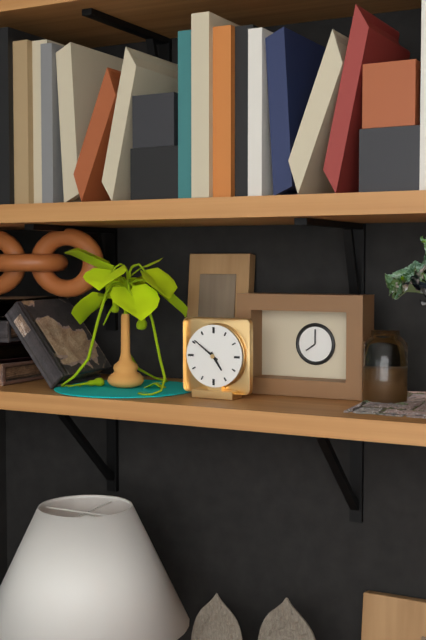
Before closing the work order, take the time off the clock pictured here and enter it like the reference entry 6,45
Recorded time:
4,51
